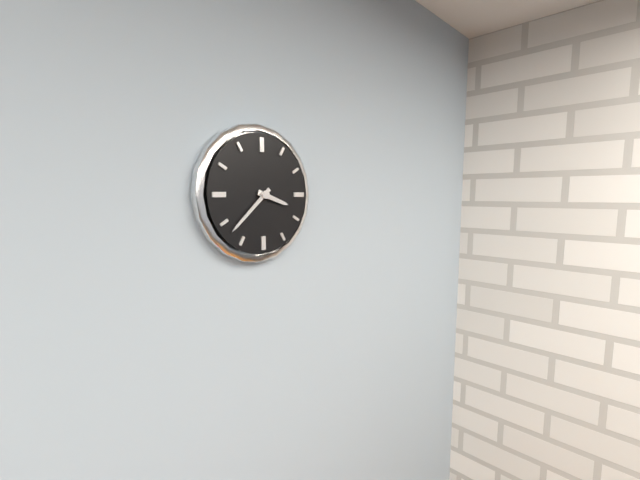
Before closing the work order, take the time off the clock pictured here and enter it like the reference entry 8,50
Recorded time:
3,38
